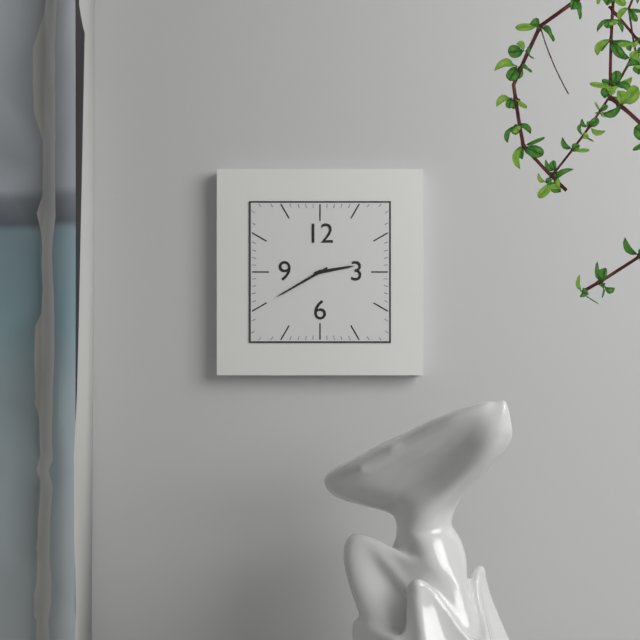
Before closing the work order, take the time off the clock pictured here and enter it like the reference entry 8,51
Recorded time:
2,40
